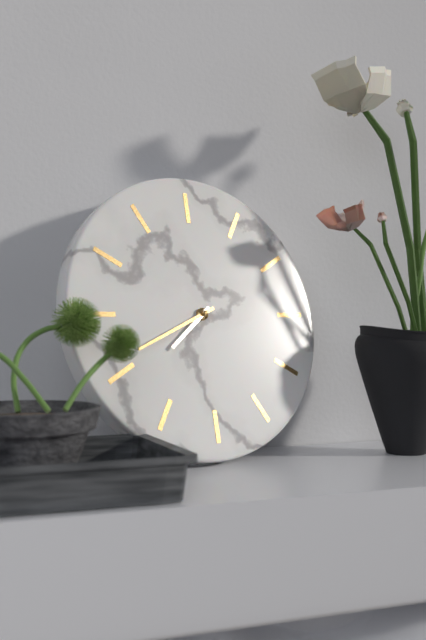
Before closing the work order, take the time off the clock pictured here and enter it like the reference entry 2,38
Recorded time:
7,41
